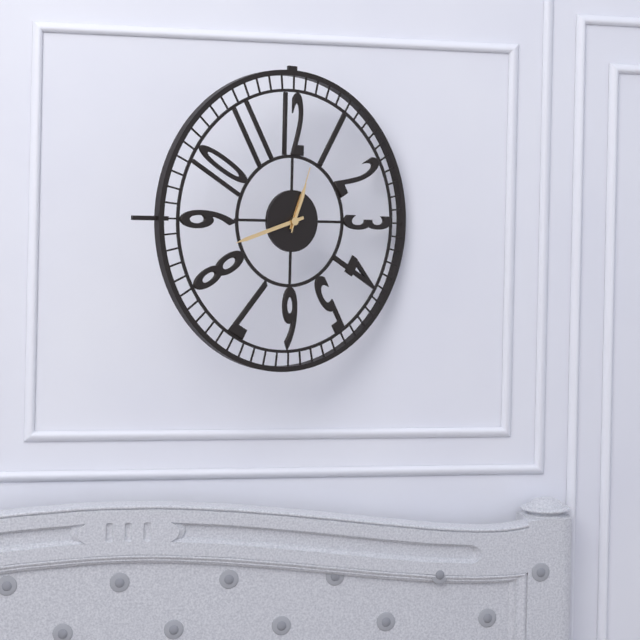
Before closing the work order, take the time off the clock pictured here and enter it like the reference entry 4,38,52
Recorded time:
12,42,03
